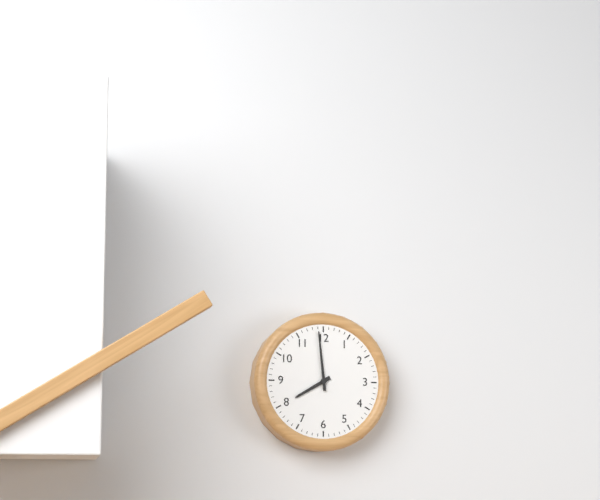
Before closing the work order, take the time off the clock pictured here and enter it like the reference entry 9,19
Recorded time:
7,59
